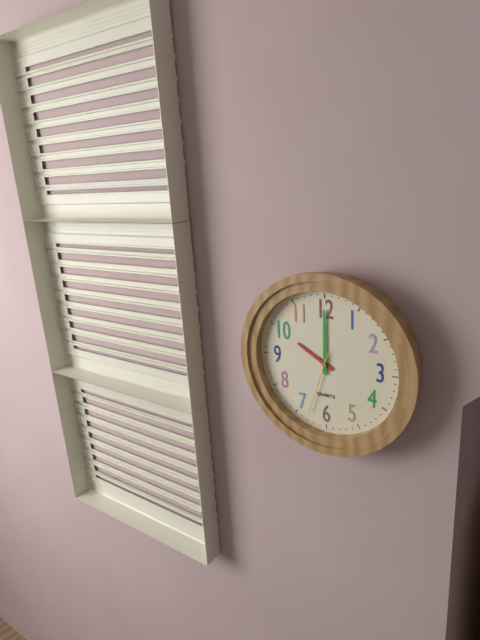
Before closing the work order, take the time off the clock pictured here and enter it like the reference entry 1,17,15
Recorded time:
10,00,33
